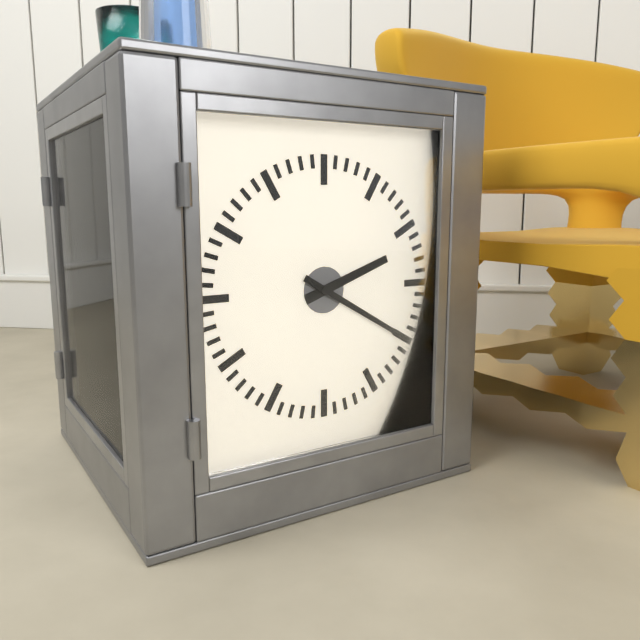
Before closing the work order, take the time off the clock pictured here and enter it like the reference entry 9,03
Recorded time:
2,20
